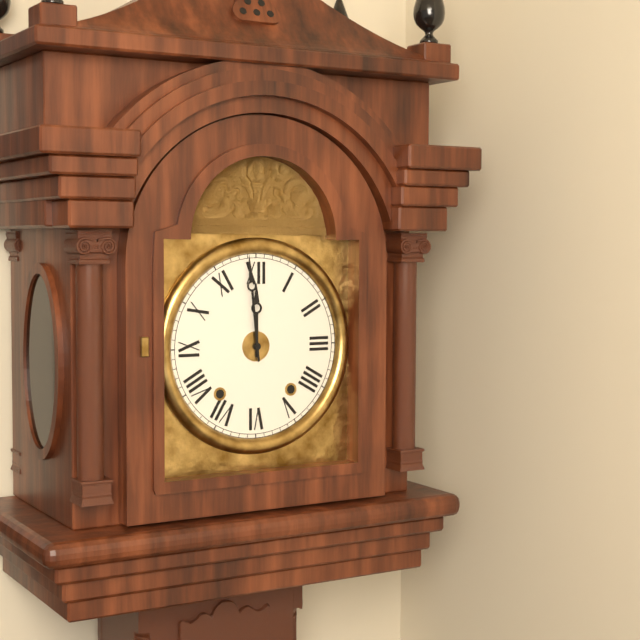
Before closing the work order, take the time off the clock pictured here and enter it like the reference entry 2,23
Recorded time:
11,59
